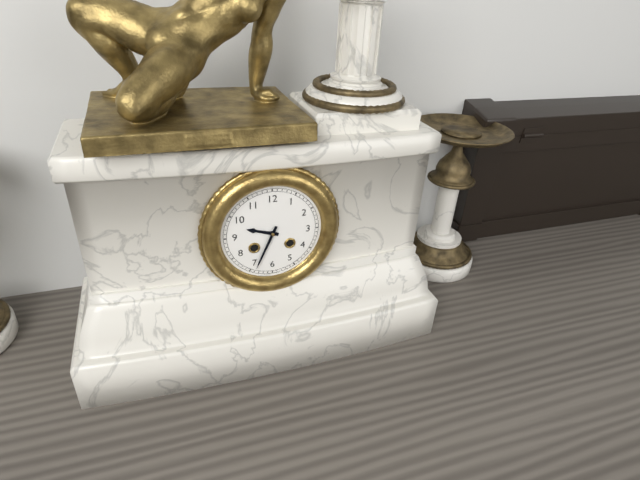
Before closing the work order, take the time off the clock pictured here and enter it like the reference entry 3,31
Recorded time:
9,34
